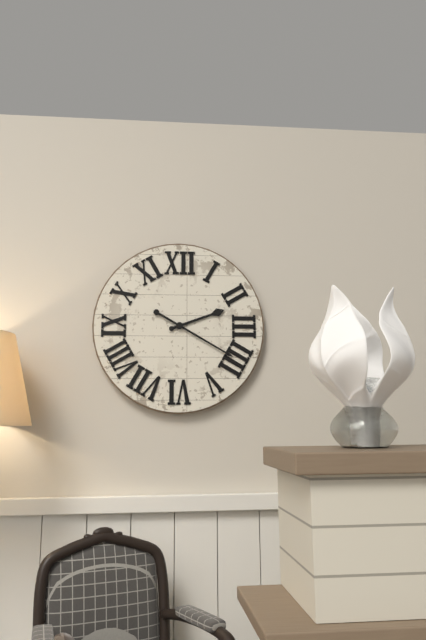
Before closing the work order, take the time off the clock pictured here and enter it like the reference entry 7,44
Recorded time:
2,20
